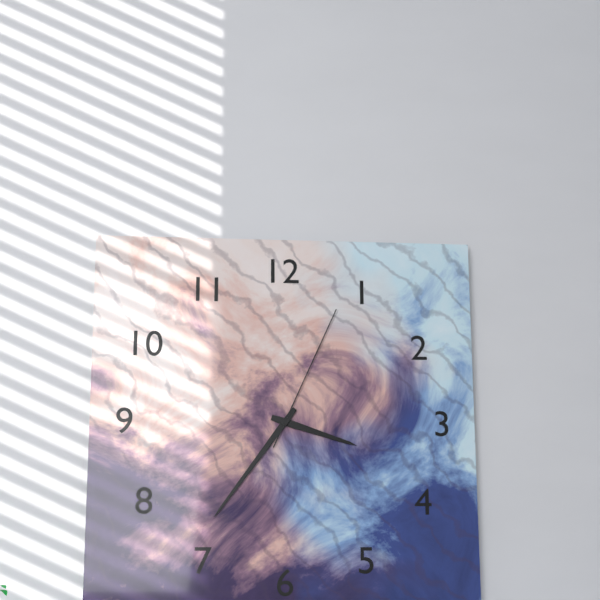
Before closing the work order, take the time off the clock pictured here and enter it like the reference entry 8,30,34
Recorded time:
3,36,04
